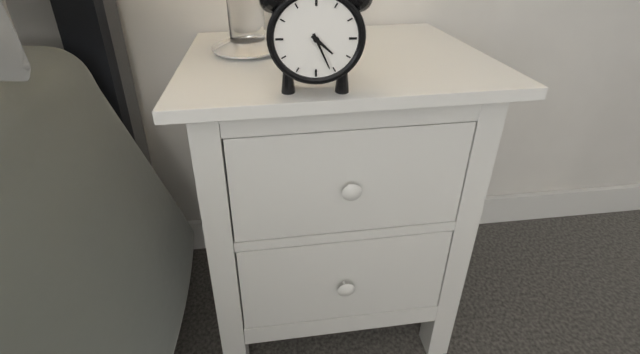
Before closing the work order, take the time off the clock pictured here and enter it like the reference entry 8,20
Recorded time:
4,26
